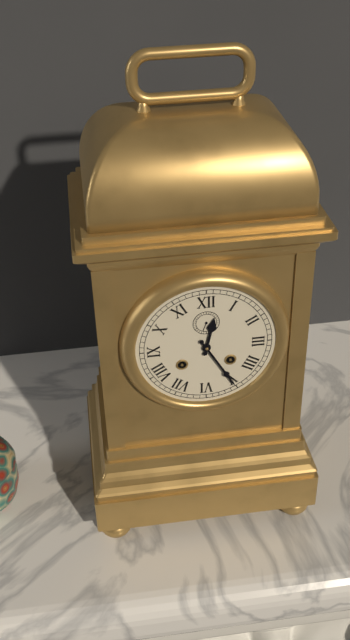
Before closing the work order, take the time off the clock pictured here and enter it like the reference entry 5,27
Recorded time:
12,25
